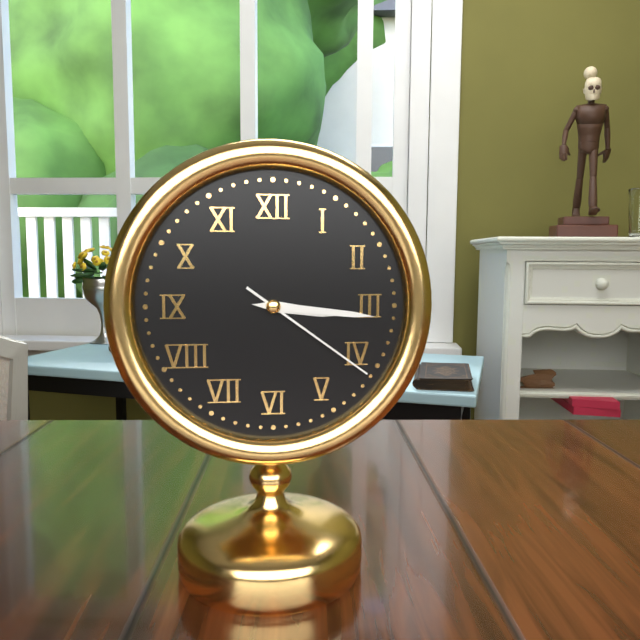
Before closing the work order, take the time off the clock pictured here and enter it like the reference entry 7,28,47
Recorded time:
3,16,21
